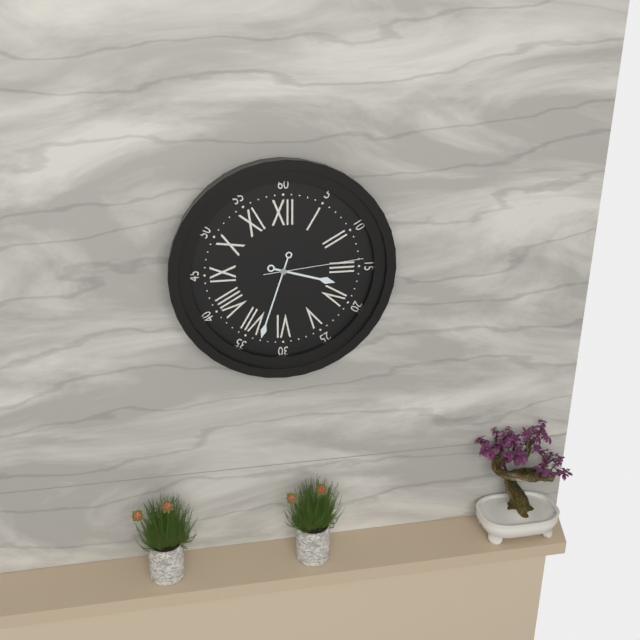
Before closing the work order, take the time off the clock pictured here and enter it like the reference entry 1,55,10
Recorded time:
3,33,14
